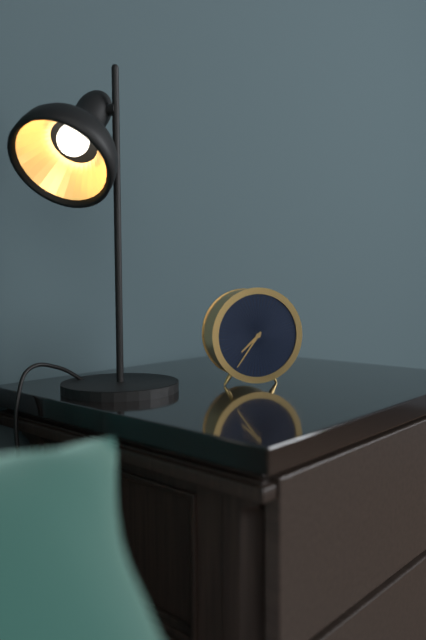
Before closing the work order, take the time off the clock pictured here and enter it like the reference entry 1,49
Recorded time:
7,36
